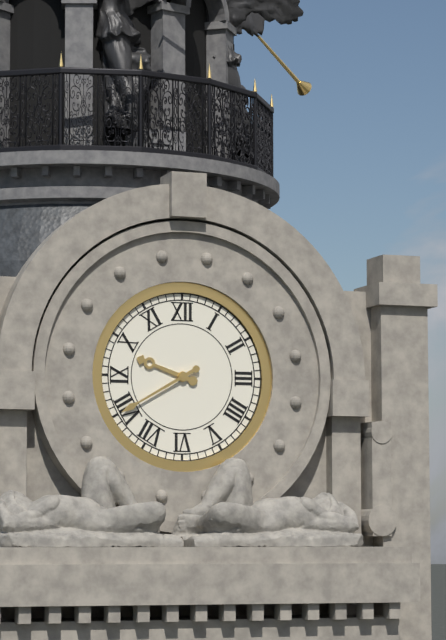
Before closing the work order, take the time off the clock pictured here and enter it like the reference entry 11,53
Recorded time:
9,40
